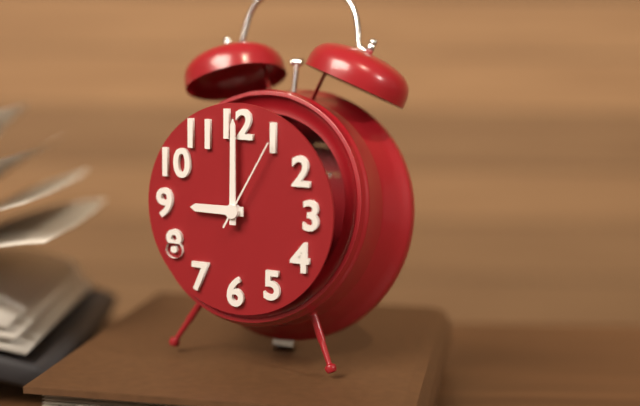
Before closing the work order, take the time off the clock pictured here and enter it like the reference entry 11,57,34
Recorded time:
9,00,05
